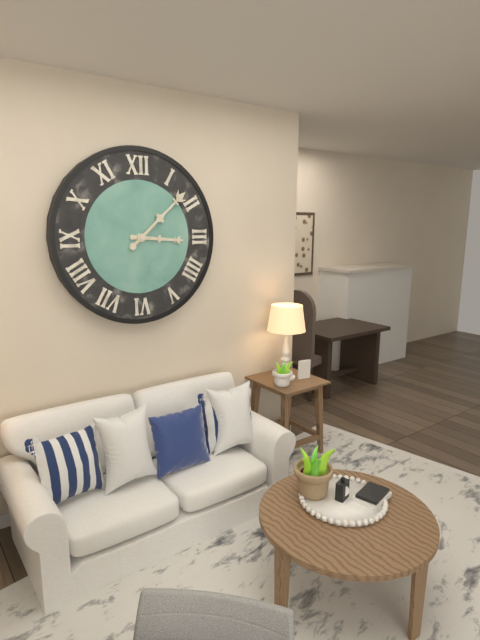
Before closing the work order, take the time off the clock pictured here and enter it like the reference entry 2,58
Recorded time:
3,08
